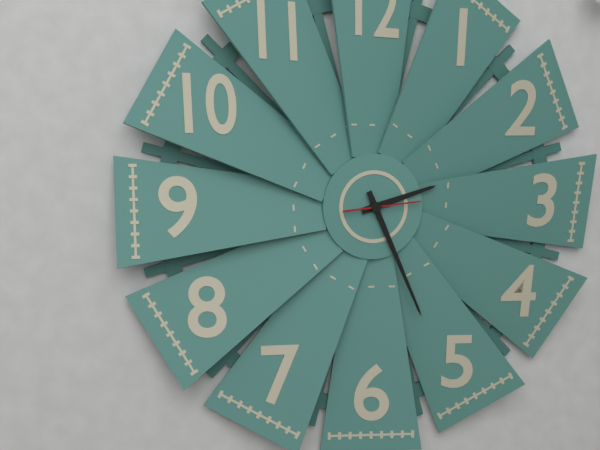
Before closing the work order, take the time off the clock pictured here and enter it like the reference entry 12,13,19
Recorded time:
2,26,14
